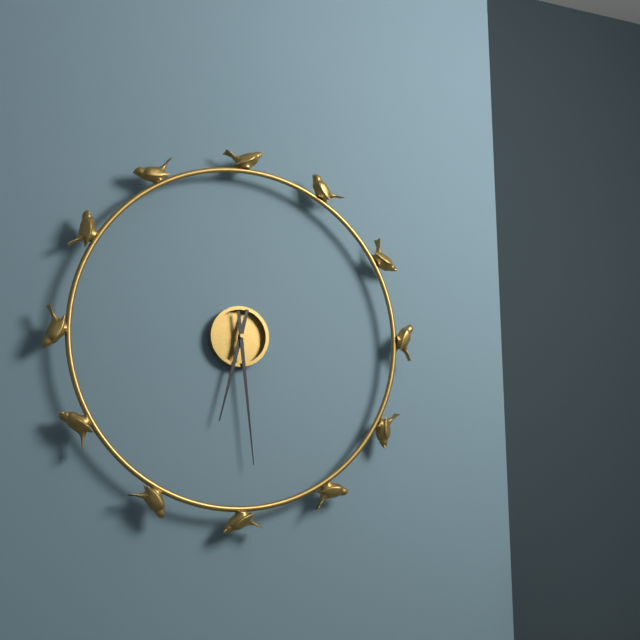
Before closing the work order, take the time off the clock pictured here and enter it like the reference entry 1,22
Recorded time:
6,29
